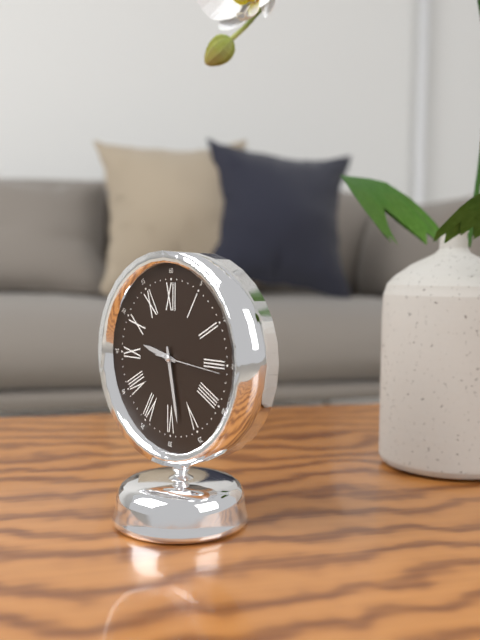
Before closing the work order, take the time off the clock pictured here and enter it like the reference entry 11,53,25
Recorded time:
9,28,16
